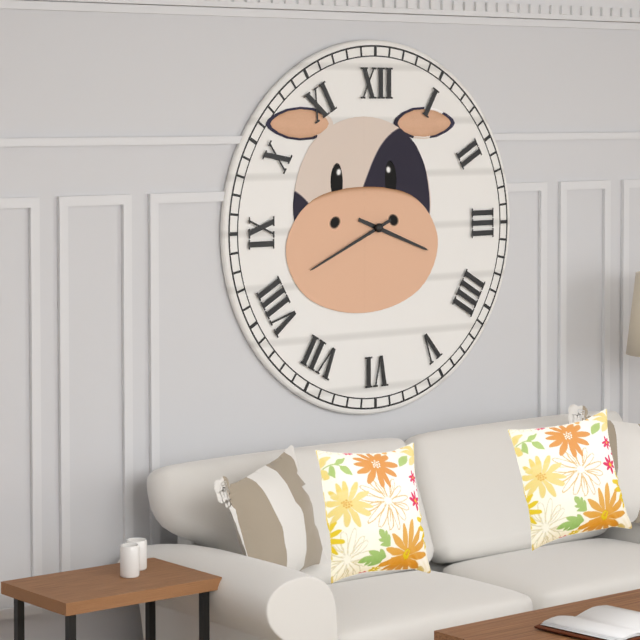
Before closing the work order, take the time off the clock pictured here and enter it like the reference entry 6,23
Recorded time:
3,41
